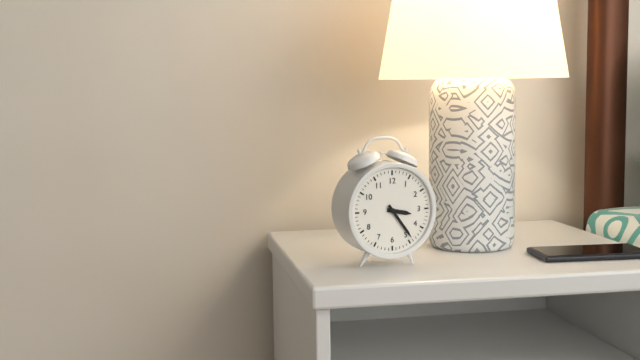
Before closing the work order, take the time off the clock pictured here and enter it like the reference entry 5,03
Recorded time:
3,24
